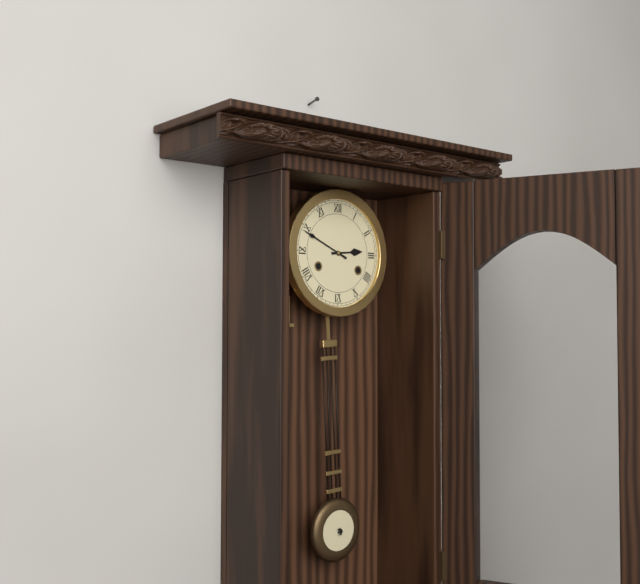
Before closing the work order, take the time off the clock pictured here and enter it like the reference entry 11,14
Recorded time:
2,49
